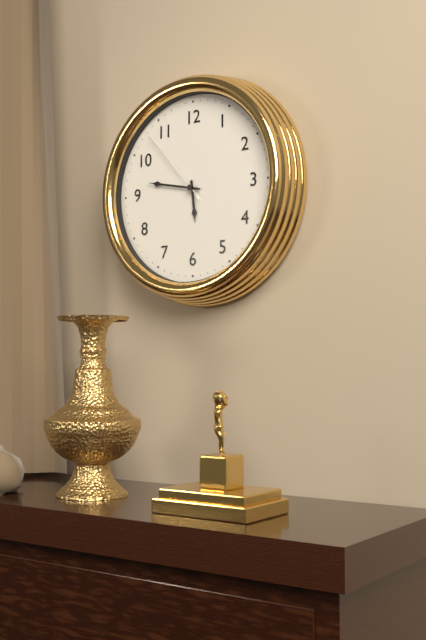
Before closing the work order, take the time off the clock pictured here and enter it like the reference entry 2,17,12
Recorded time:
5,47,53
